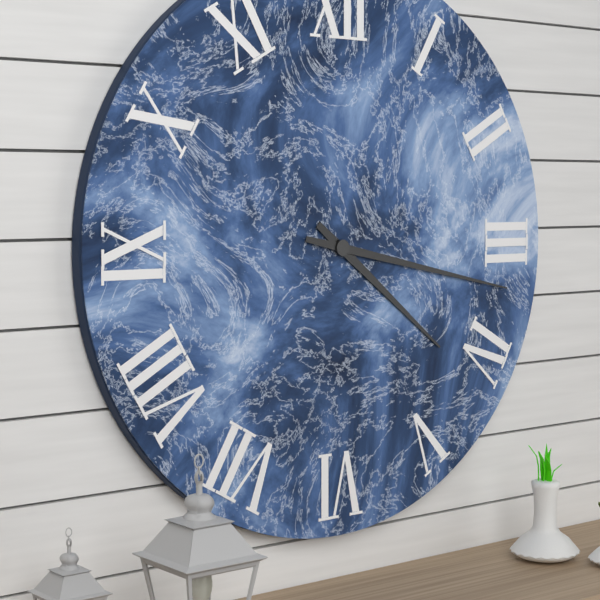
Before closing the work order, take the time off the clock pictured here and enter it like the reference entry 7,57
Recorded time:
4,17
